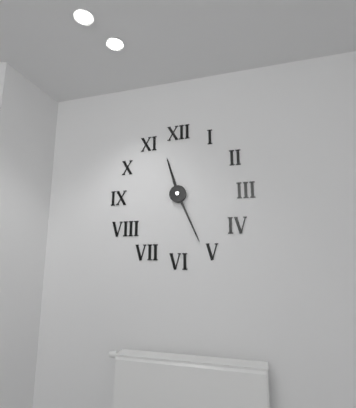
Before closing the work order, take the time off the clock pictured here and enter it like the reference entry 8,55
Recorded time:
11,26
